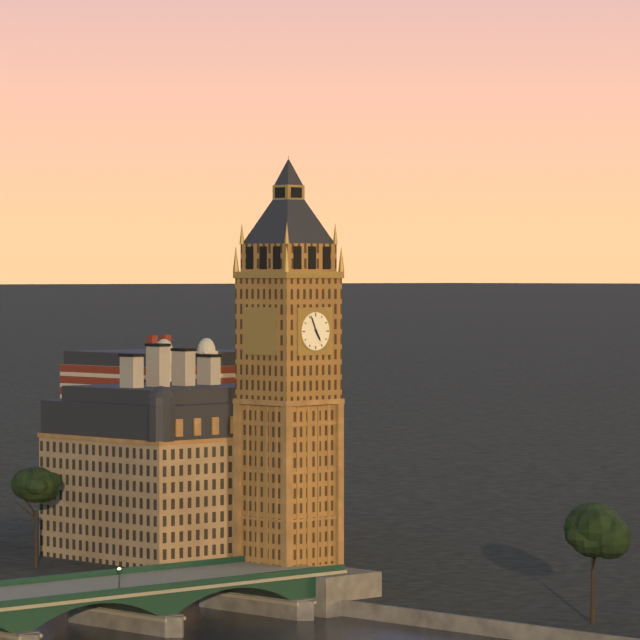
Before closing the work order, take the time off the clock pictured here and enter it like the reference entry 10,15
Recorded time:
4,56
